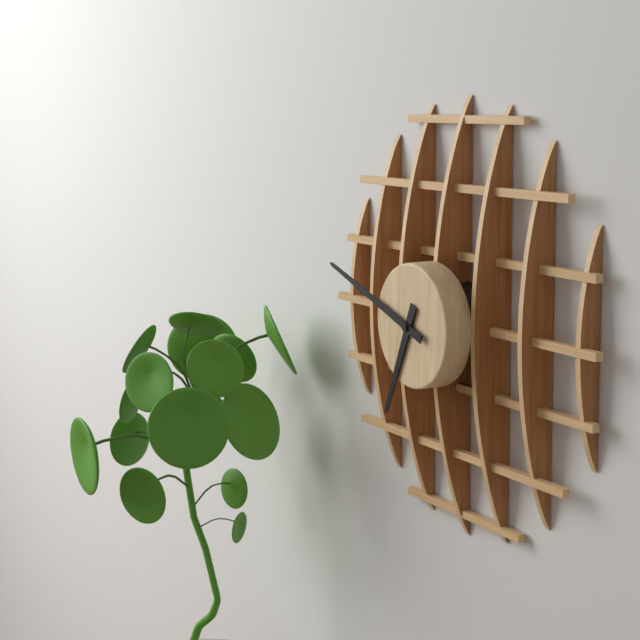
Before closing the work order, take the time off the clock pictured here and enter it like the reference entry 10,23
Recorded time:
6,48
